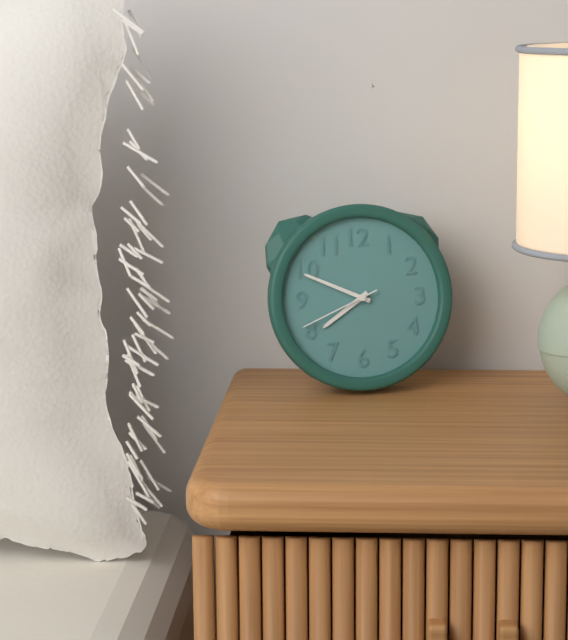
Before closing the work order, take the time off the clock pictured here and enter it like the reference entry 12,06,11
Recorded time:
7,49,41
